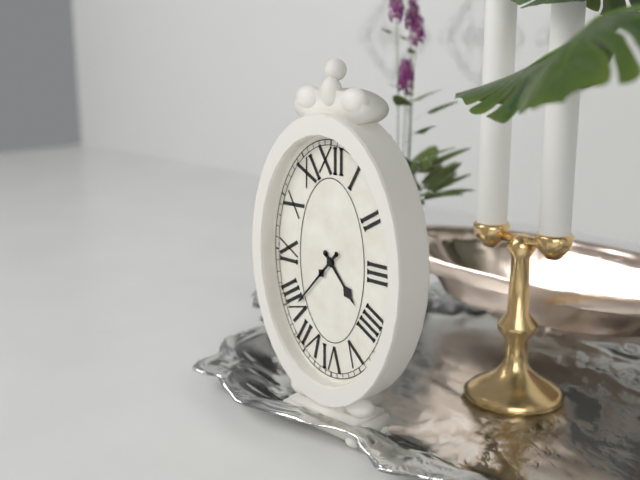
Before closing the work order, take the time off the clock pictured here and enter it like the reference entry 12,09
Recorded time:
4,37
